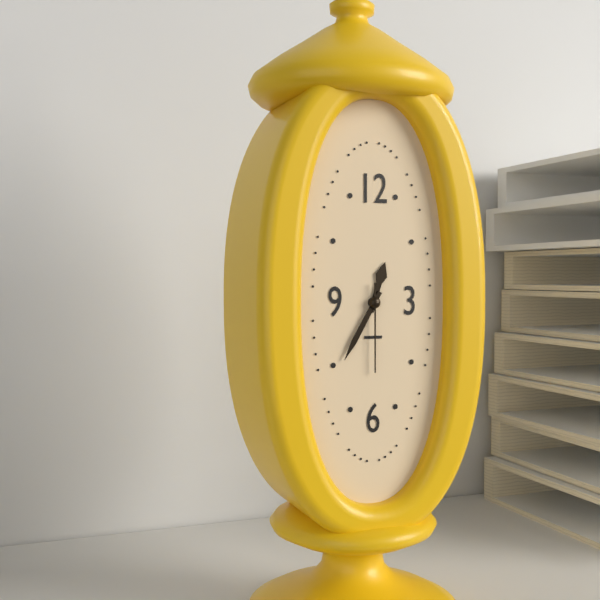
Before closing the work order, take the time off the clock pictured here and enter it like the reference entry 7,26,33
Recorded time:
12,35,30
